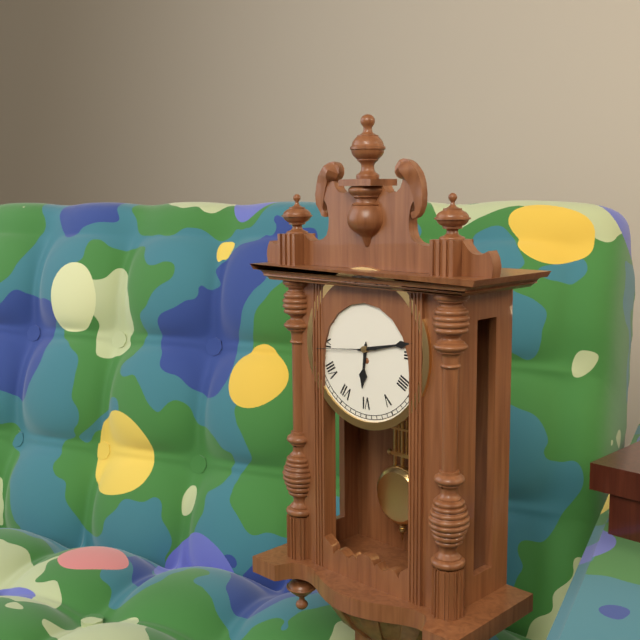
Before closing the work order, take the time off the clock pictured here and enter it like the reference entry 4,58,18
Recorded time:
6,13,44
